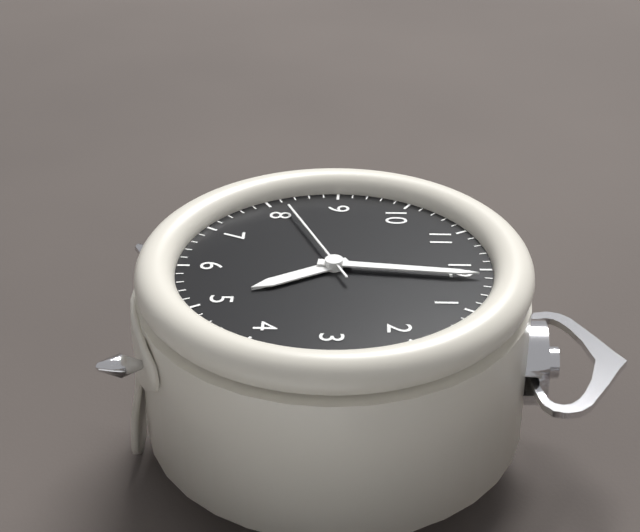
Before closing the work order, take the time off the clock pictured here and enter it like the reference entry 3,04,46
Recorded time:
5,01,41
